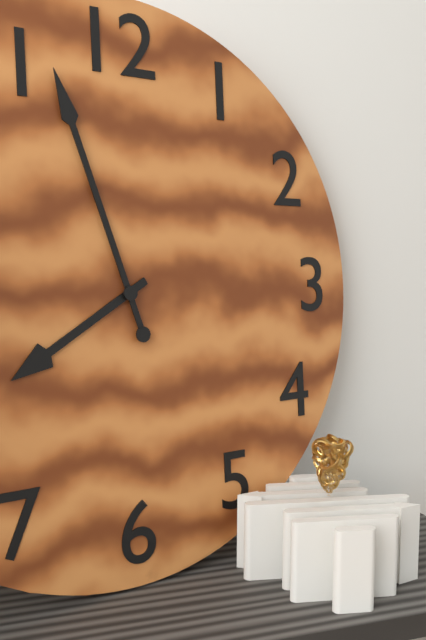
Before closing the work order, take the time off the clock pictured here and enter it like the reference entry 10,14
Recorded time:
7,57
